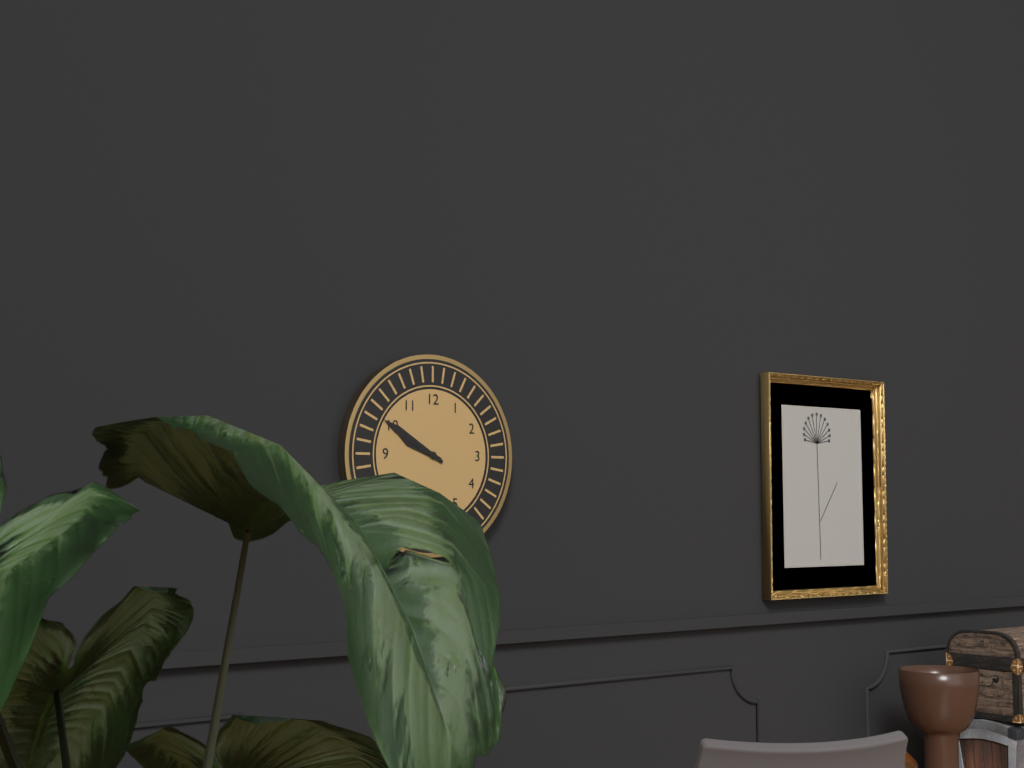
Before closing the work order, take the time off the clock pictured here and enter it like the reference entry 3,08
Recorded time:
9,50
